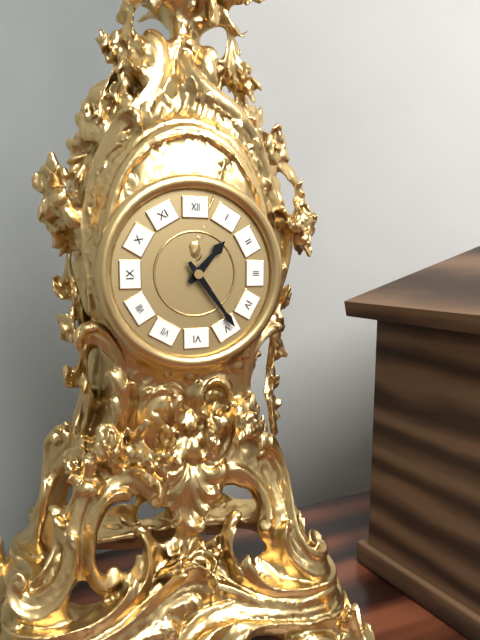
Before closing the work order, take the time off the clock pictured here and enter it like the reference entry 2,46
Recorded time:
1,24
